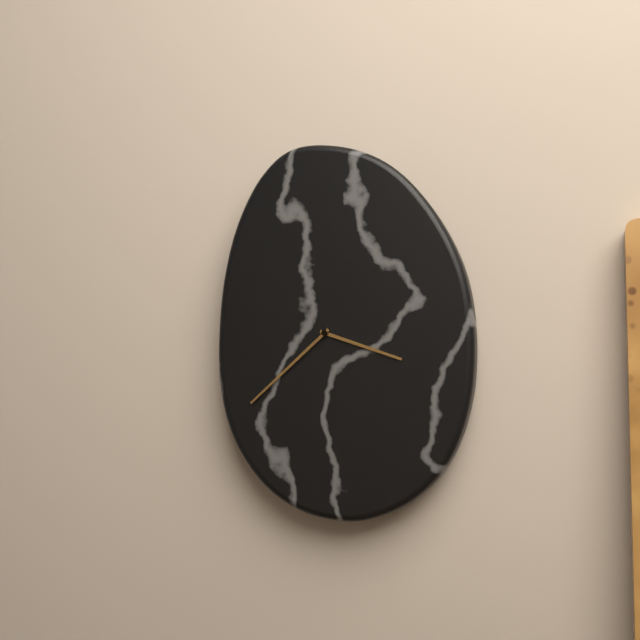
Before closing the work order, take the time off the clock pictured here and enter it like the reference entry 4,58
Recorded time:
3,38
